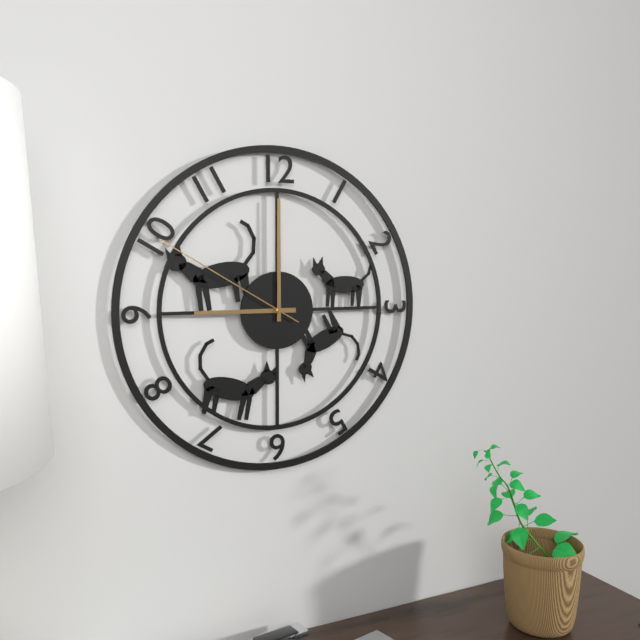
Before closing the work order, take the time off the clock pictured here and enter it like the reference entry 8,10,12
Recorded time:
9,00,50
